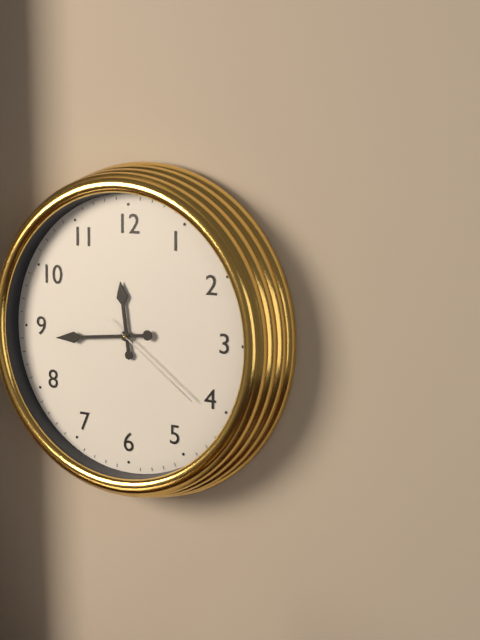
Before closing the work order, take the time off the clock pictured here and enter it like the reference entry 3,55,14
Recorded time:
11,44,21
